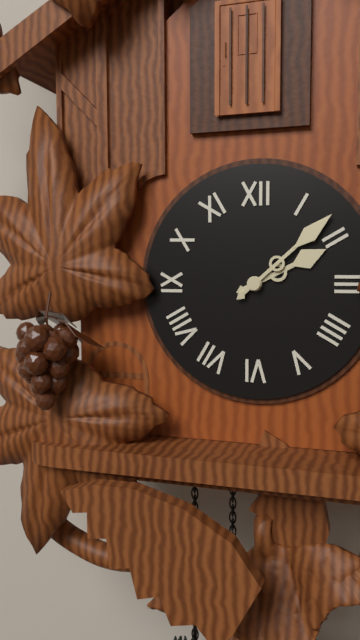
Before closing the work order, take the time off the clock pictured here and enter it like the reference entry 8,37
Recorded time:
2,08
